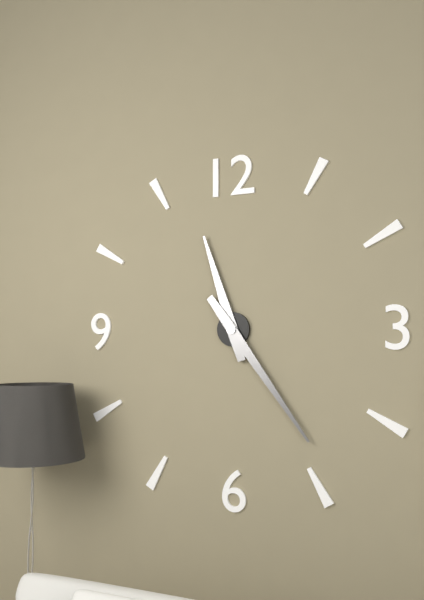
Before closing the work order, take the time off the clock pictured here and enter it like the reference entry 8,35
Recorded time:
11,24
